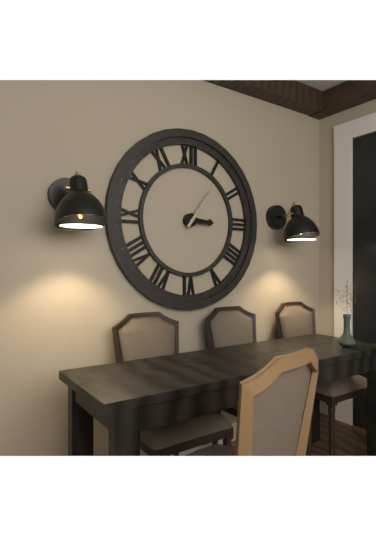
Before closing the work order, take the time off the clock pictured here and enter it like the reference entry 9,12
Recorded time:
3,06
